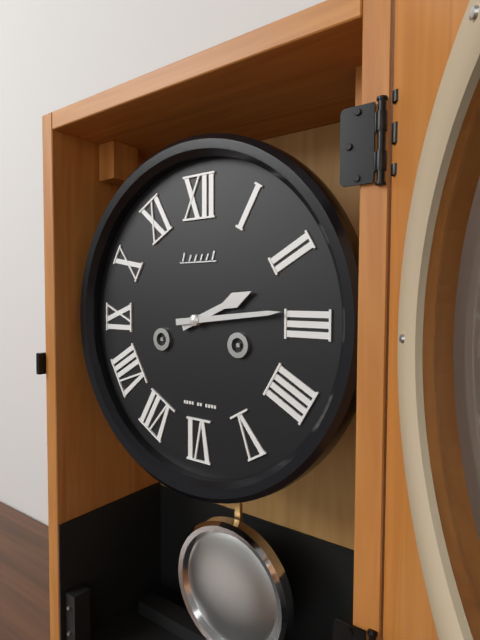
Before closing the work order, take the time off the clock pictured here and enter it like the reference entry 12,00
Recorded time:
2,14
